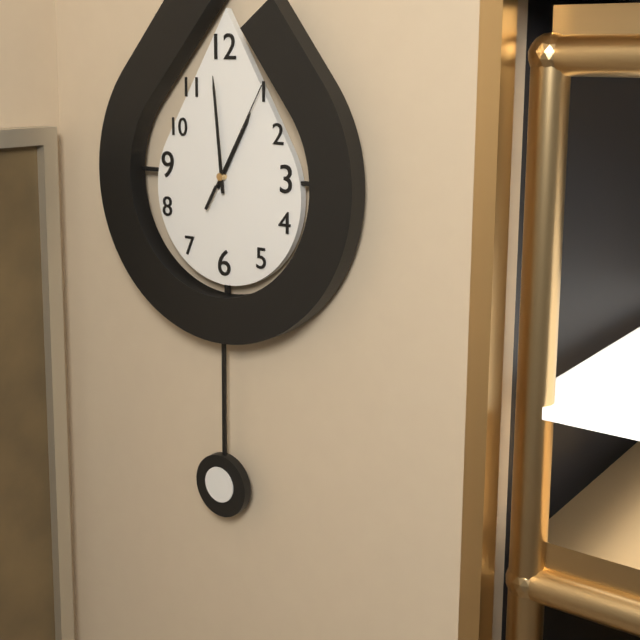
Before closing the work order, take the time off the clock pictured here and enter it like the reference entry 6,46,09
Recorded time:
12,59,05
